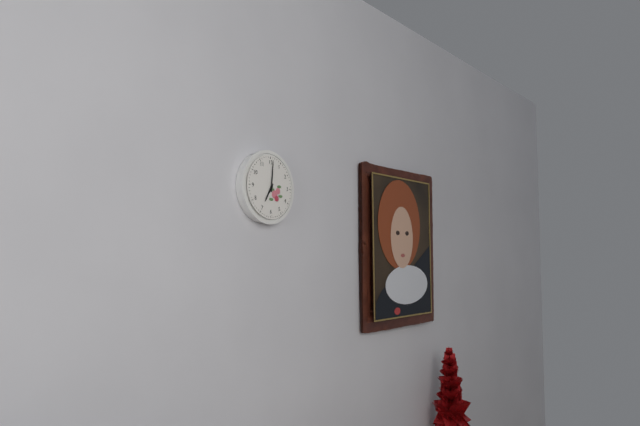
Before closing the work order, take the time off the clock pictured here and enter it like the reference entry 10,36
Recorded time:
7,01
